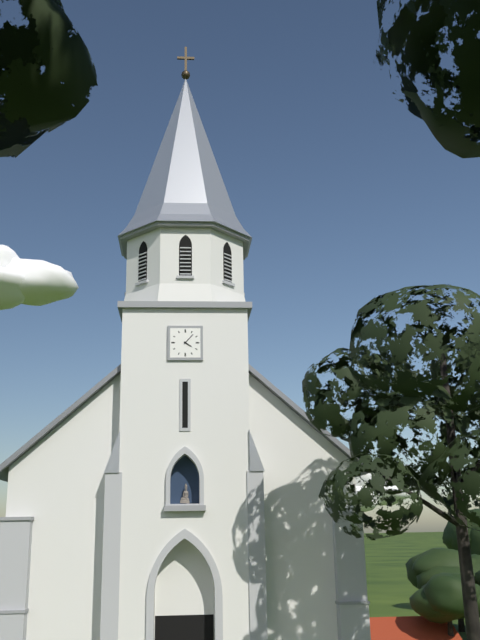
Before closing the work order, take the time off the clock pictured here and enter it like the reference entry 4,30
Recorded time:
4,07
